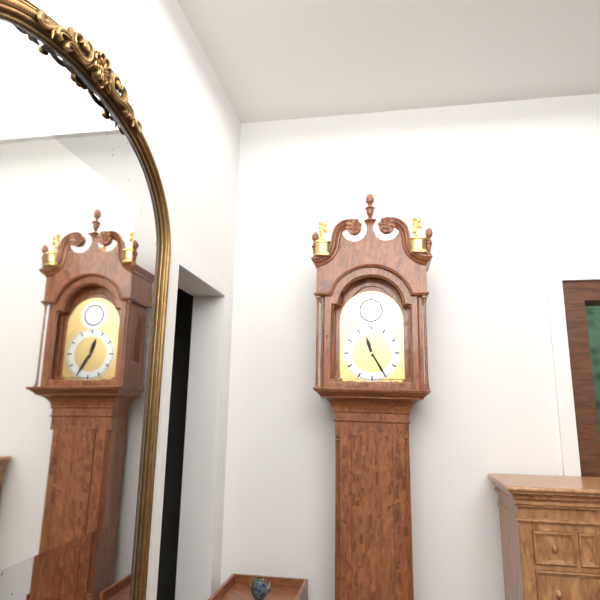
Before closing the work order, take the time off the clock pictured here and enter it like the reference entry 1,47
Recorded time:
11,25
